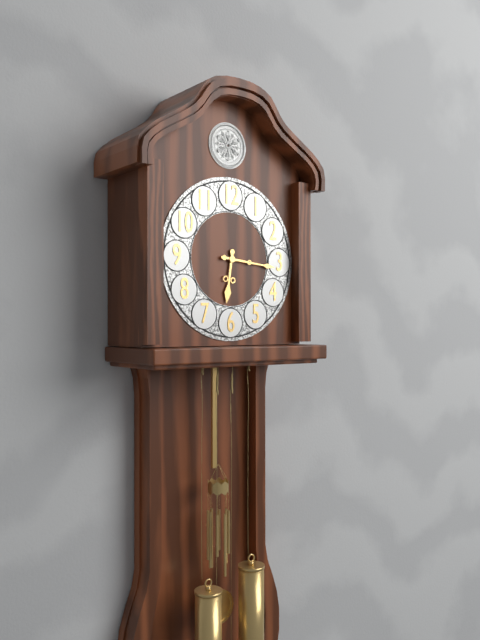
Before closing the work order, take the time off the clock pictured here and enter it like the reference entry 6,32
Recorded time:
6,16
